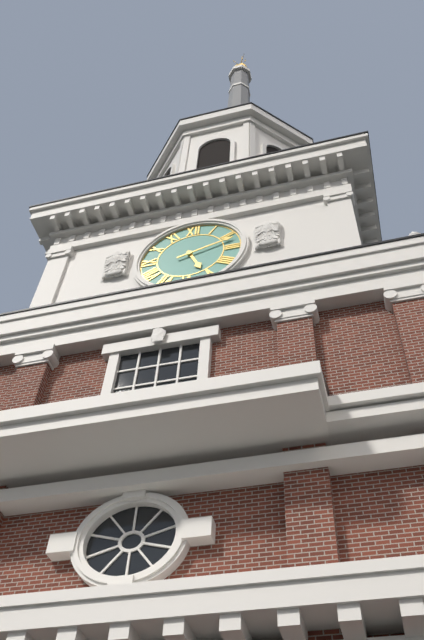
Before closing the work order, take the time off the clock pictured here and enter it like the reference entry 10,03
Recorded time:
5,12
